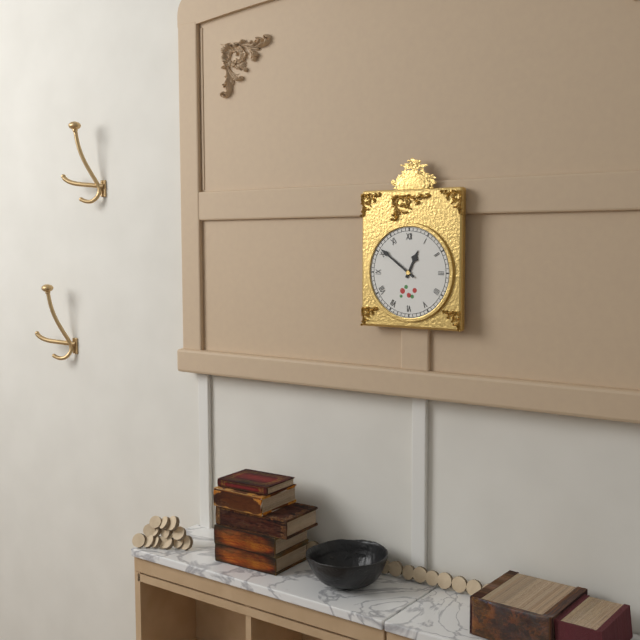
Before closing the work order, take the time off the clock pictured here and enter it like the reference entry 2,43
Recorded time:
12,51
